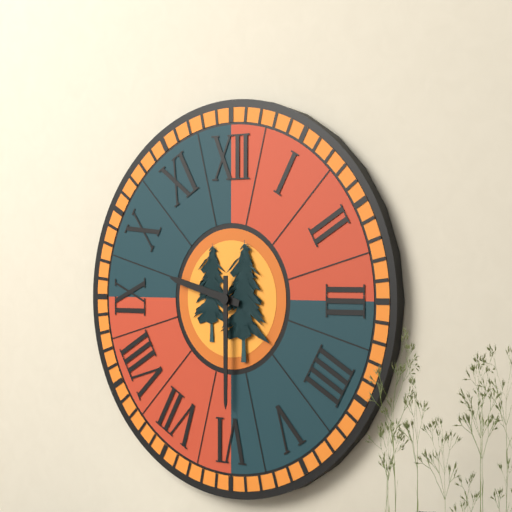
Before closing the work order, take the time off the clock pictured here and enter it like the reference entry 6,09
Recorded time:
9,30
